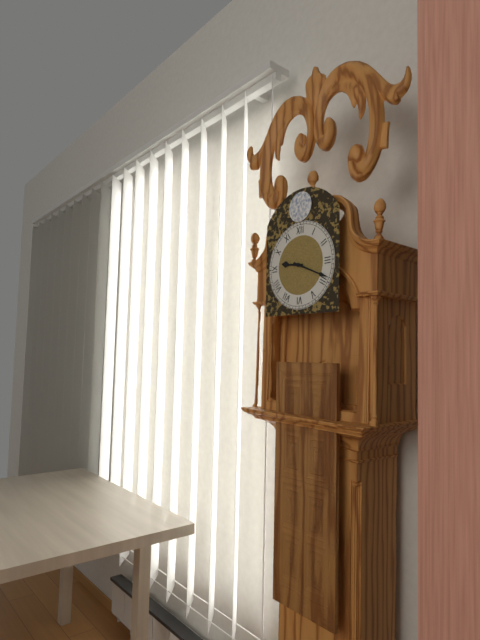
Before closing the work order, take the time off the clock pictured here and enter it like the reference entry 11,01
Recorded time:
9,19
